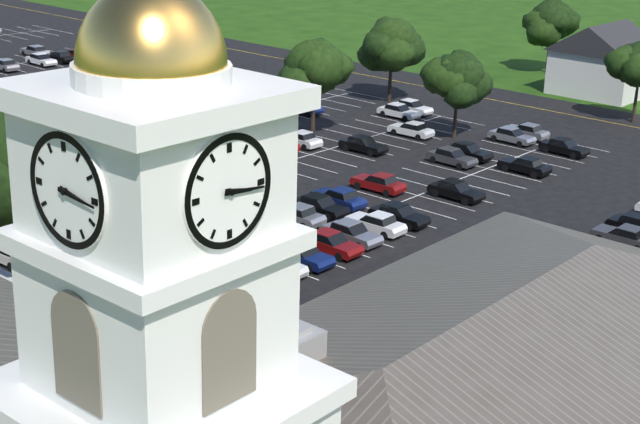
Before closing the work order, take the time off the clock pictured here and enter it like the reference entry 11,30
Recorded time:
3,16
